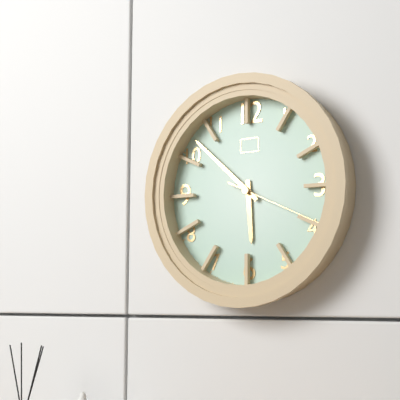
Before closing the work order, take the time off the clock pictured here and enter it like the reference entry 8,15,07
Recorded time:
5,52,19
